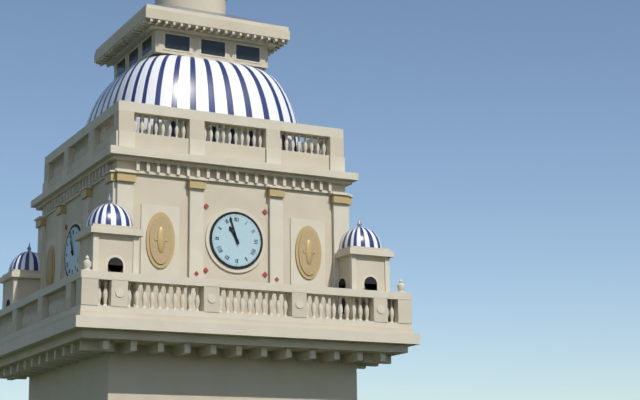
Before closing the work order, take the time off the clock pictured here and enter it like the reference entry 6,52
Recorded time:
10,57
